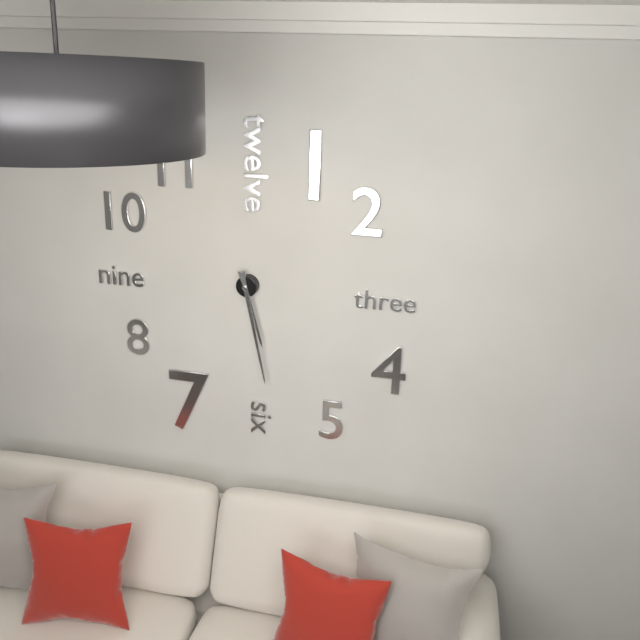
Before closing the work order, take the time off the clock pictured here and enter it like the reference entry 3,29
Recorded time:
5,28
